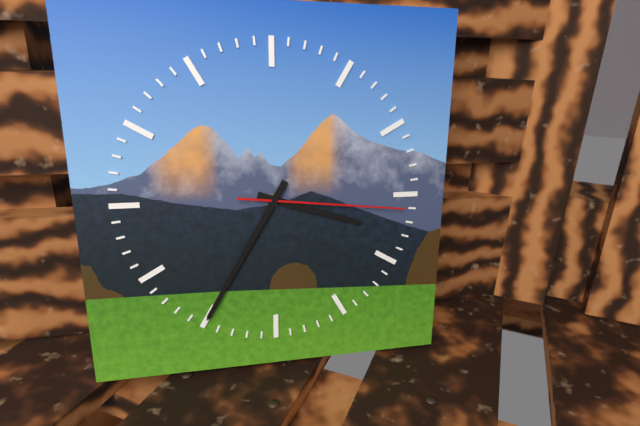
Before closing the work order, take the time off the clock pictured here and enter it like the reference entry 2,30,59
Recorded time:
3,35,16
